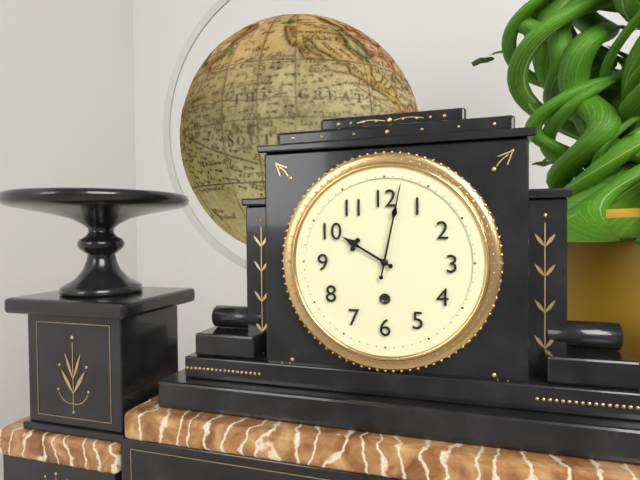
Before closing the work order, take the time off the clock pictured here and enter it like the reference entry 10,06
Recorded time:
10,02
